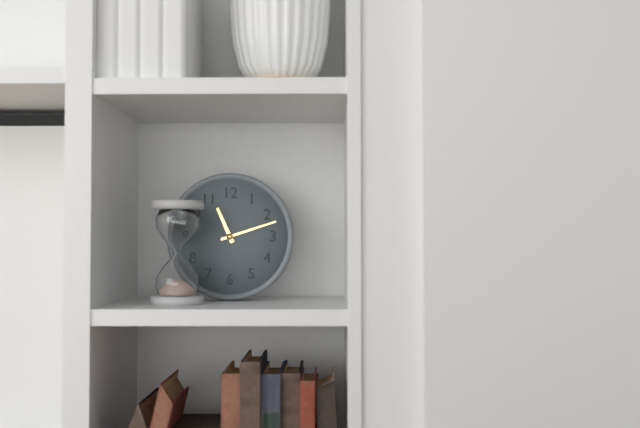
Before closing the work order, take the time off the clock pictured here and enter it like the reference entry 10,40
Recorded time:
11,12
